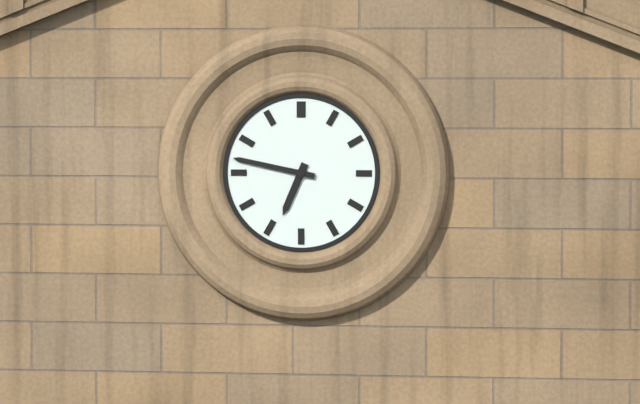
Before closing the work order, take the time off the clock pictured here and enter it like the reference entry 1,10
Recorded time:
6,47
